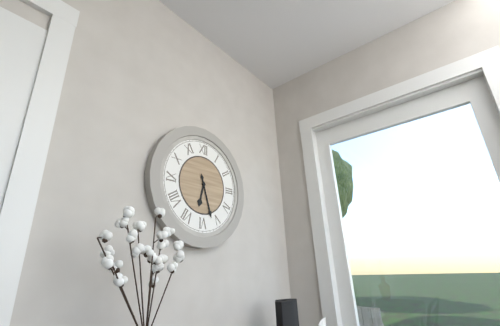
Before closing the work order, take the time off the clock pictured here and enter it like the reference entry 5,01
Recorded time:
6,27
